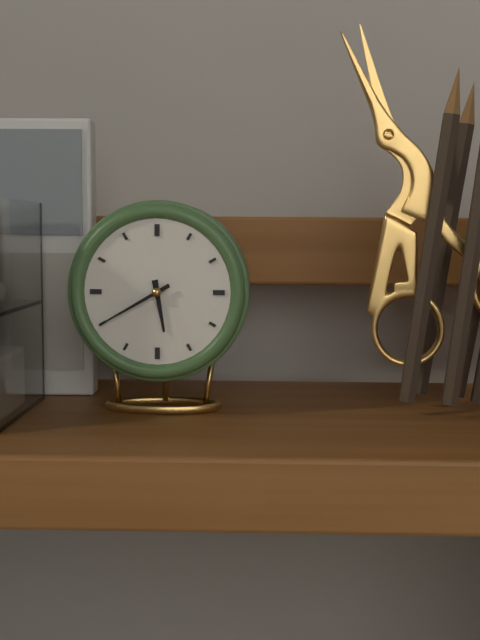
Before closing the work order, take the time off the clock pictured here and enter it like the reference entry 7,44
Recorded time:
5,40
